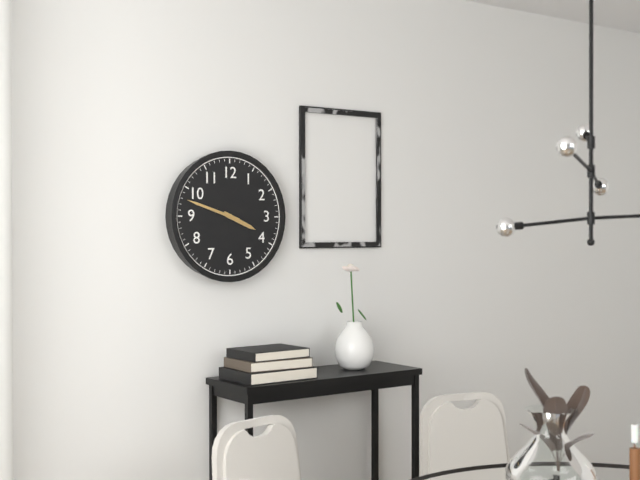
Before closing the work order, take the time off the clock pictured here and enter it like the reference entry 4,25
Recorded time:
3,48
